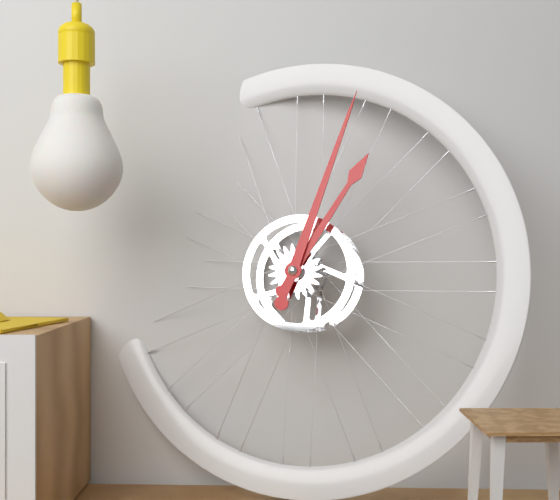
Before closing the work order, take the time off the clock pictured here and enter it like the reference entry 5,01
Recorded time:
1,03
